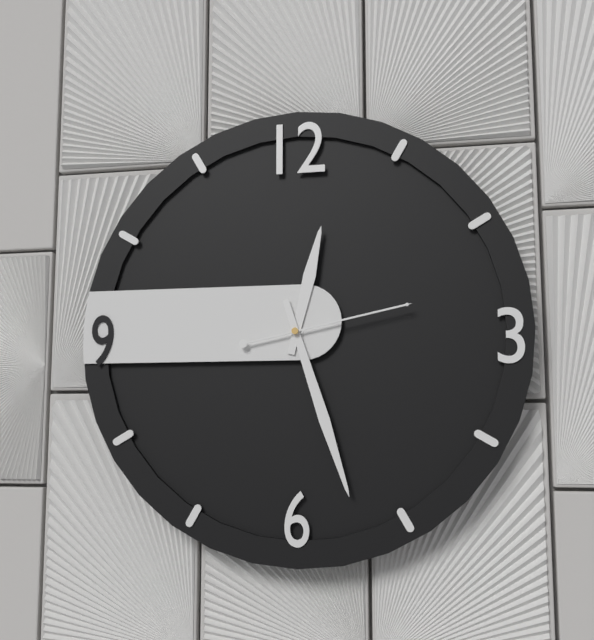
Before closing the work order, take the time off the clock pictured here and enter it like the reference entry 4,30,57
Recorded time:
12,27,13
